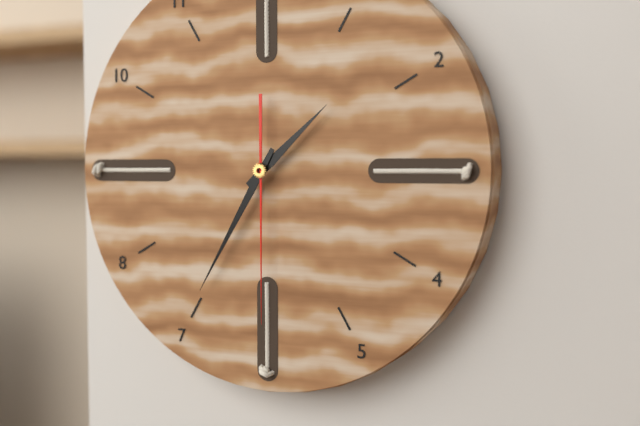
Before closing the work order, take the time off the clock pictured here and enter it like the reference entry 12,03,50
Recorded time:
1,35,30
